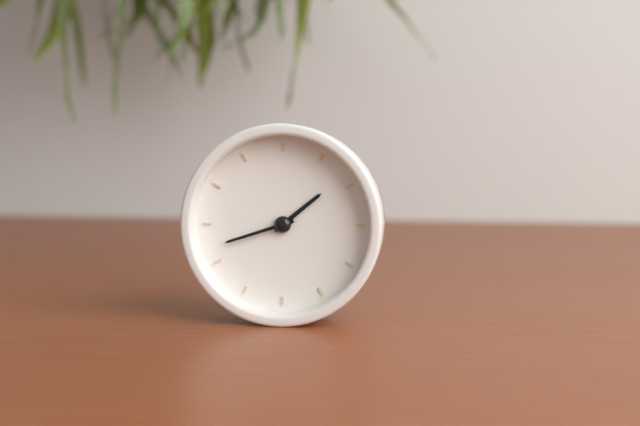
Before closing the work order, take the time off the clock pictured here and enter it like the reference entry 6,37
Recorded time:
1,42
